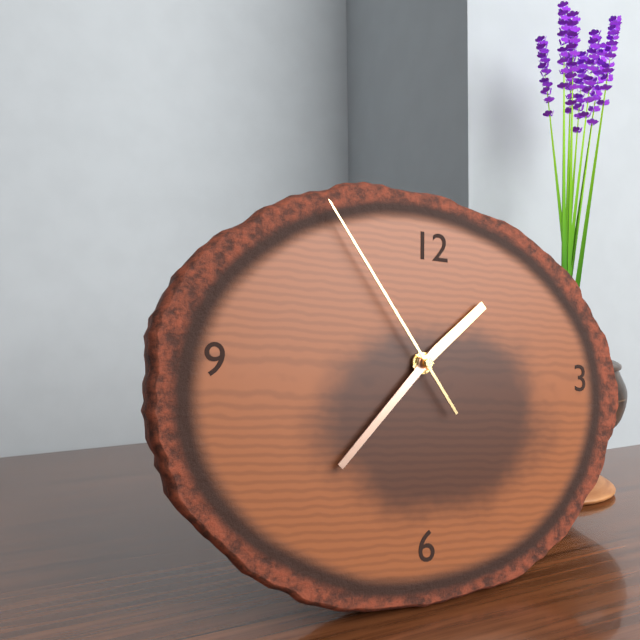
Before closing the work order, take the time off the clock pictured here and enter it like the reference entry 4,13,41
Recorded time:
1,37,54
